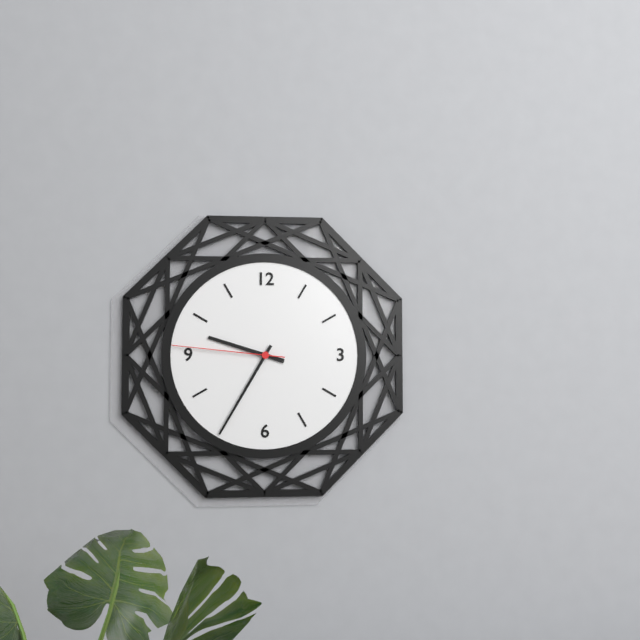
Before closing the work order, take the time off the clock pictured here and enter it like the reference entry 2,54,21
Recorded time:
9,35,46
